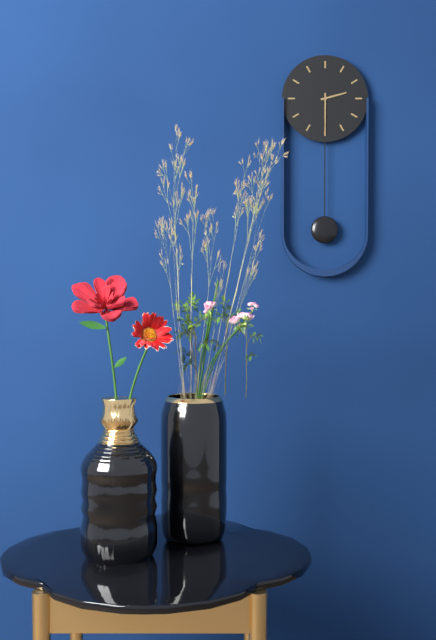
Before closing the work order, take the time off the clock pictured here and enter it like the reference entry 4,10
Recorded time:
2,30
